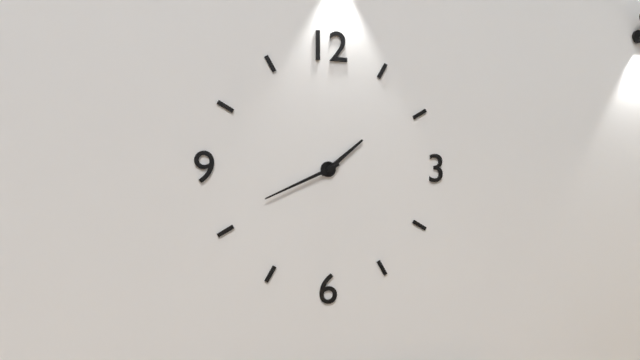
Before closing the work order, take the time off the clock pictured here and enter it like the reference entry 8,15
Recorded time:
1,41
